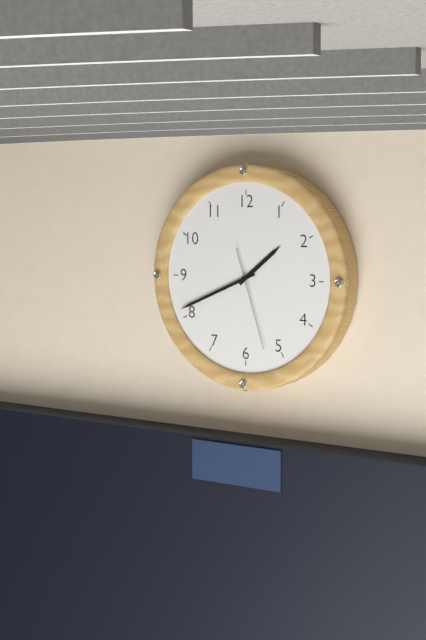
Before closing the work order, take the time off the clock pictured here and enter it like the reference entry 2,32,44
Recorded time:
1,41,27
